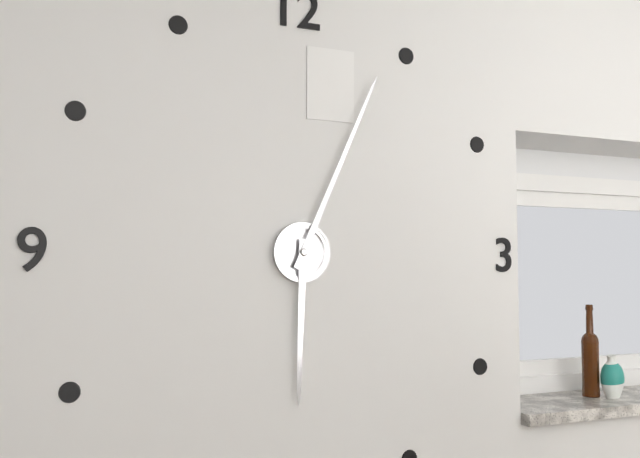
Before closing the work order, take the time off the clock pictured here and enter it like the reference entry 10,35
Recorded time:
6,04
